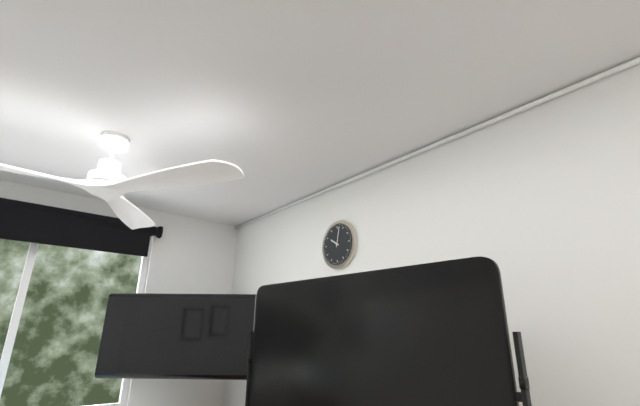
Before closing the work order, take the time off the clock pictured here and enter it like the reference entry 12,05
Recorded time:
10,02
